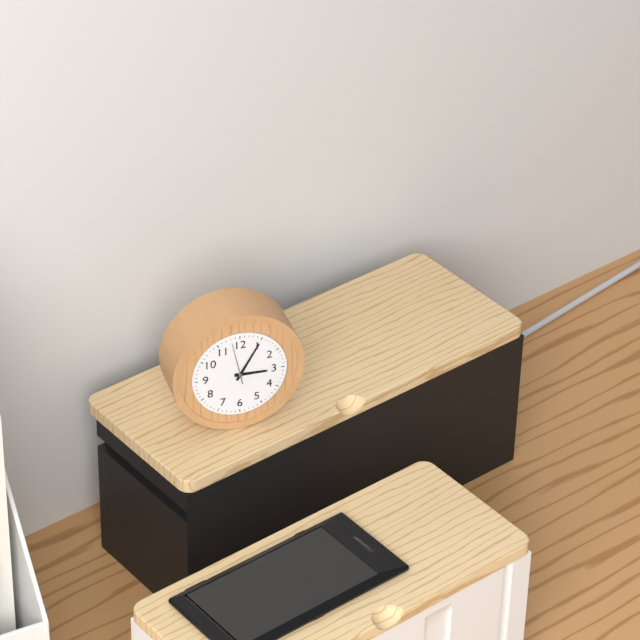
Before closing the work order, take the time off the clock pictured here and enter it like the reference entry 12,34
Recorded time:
3,05
